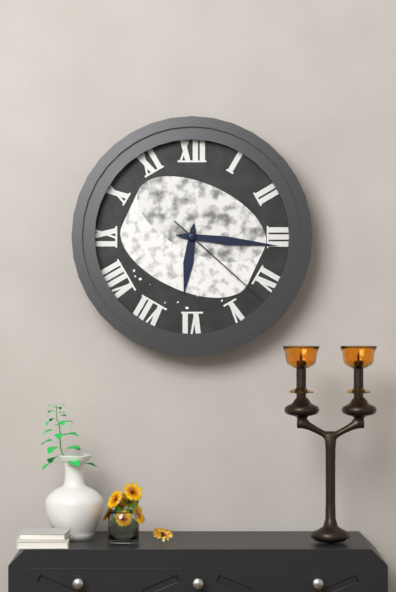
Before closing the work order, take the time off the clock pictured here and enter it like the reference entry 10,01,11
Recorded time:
6,16,22
